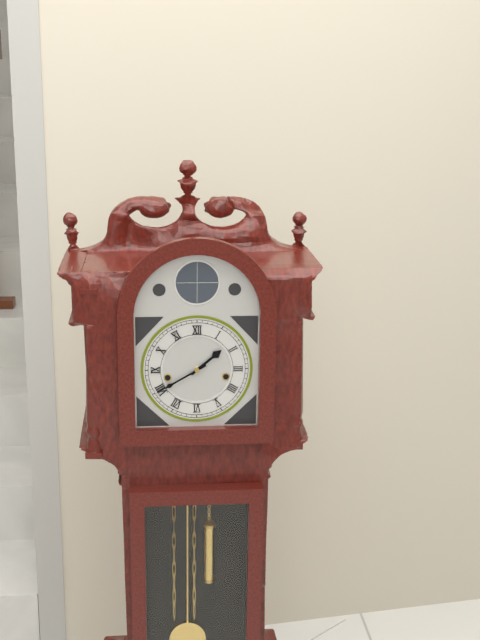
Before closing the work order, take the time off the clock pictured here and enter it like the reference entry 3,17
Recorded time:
1,40
